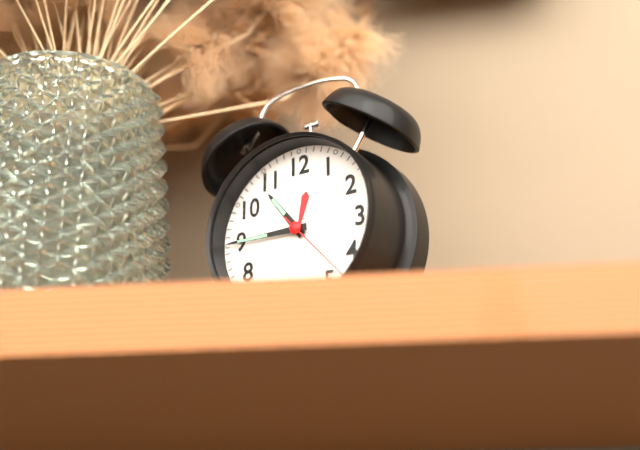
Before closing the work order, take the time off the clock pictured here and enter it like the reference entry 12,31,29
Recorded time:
10,45,23
